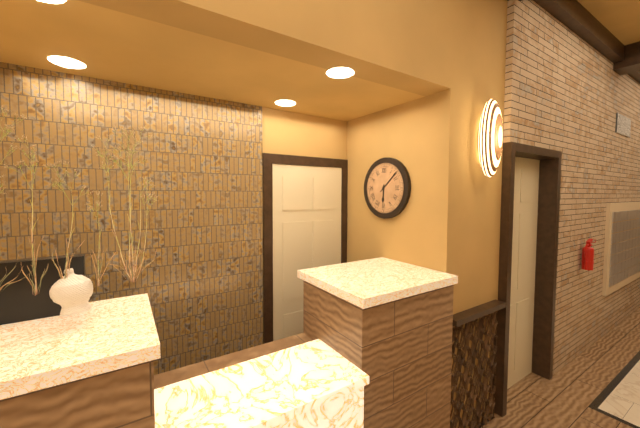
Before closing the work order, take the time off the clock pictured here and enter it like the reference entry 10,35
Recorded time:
6,08
